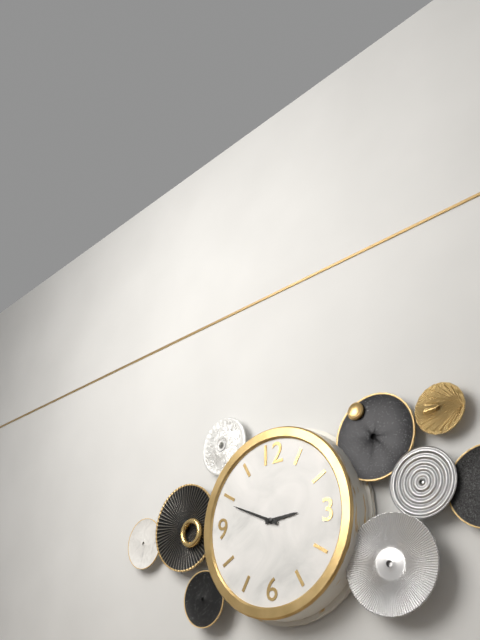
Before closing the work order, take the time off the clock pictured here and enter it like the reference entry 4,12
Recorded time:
2,49
